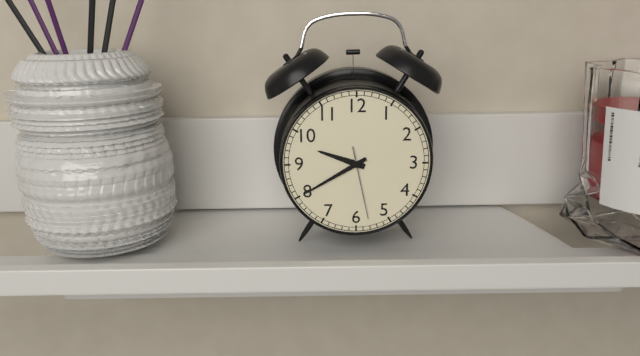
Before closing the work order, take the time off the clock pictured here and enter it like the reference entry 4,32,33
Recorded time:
9,40,28
